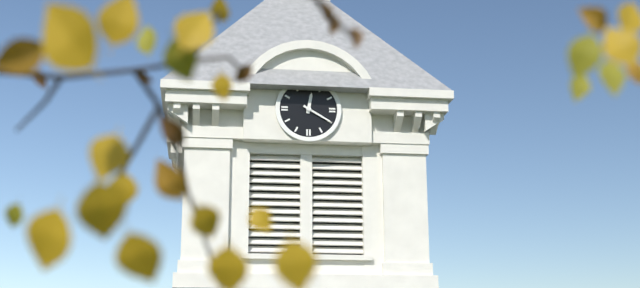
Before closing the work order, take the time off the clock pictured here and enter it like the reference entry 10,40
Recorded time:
12,20
